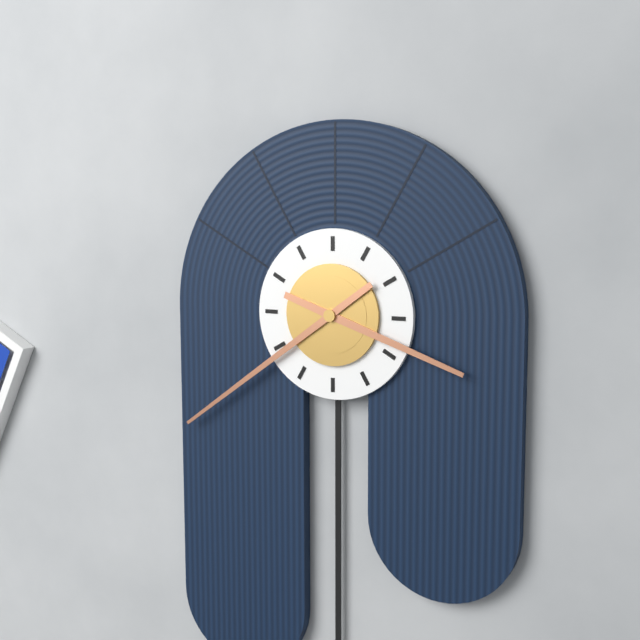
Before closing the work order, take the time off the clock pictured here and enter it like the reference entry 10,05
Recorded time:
3,39
